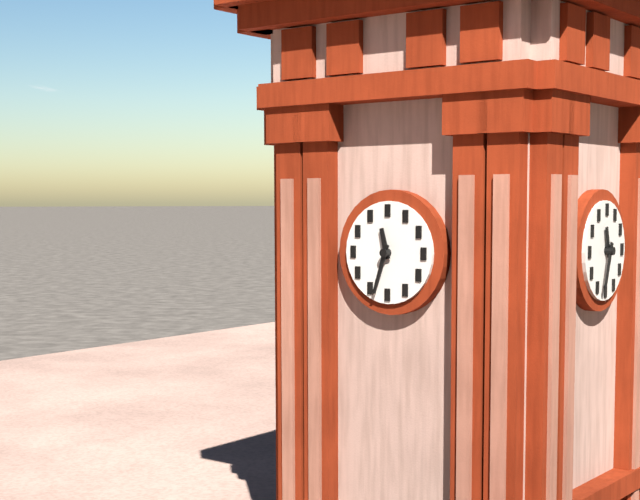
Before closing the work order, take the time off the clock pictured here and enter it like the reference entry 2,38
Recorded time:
11,33
